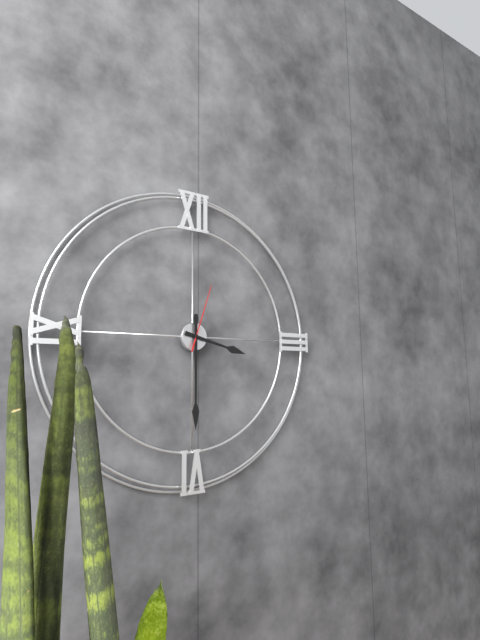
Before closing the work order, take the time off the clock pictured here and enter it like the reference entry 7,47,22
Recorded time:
3,30,03
